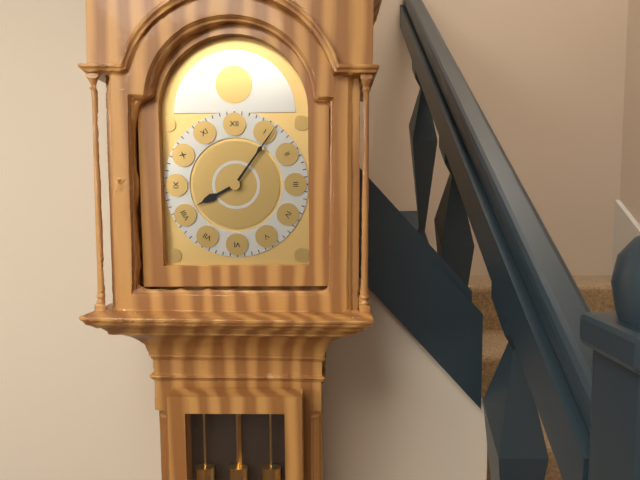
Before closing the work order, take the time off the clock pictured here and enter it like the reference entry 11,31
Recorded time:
8,06
